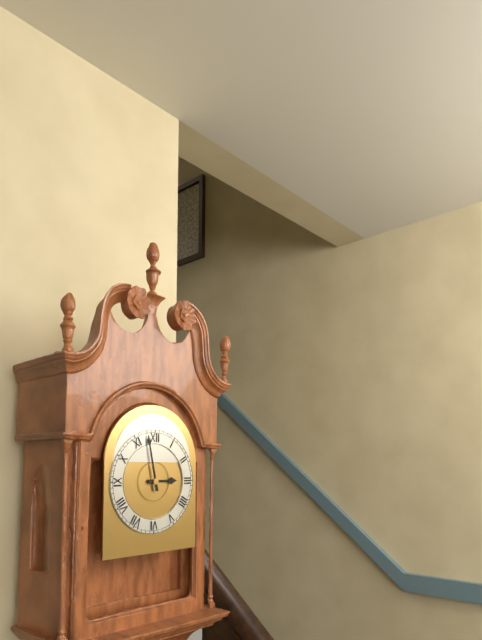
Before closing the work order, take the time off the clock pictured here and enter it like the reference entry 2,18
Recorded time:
2,58
